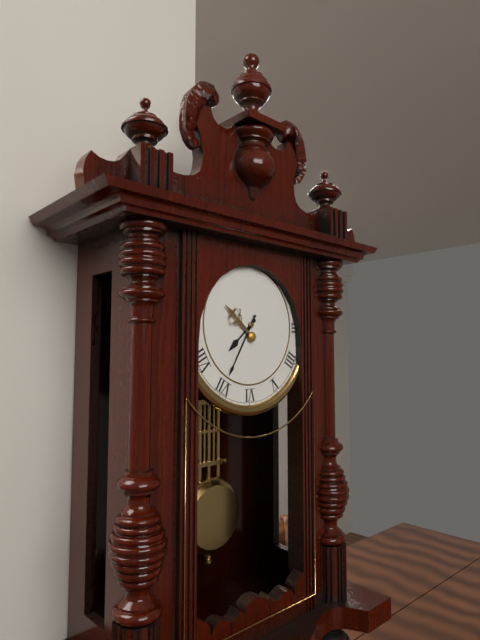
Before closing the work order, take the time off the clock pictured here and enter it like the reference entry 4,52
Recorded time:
7,35
